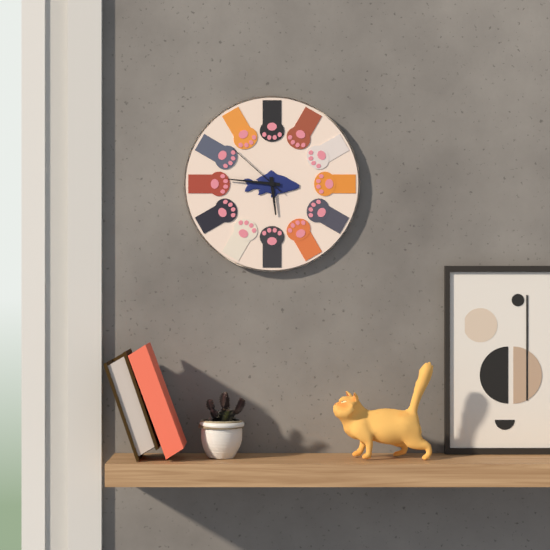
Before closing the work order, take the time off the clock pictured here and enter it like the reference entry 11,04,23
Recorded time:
5,46,52
